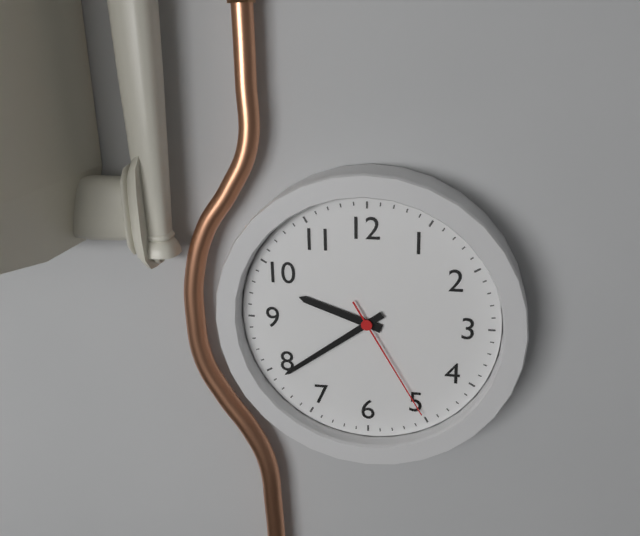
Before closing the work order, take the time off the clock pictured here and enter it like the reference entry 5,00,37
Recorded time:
9,39,25
